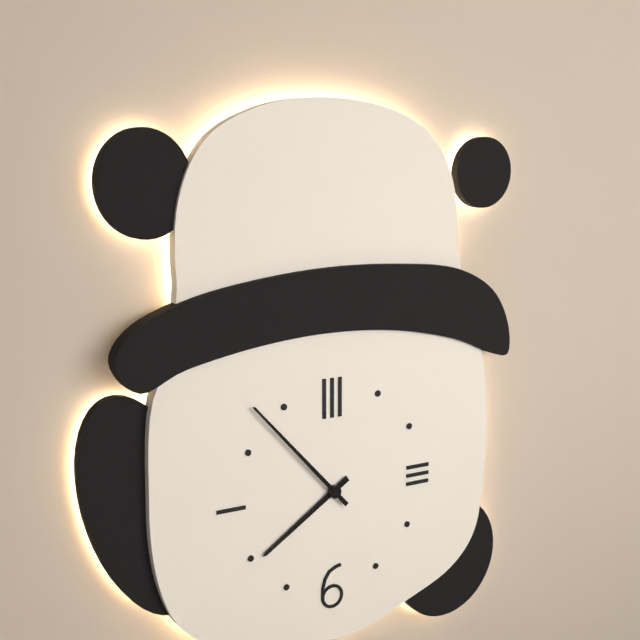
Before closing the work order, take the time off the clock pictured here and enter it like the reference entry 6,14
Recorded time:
7,53
